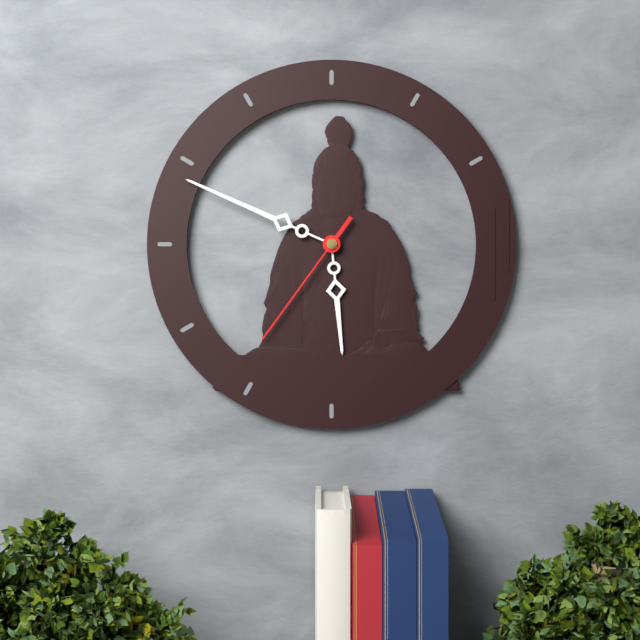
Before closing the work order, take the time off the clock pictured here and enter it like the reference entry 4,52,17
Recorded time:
5,49,36
